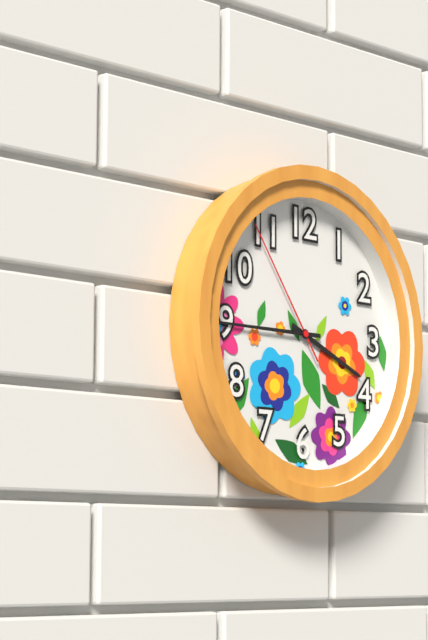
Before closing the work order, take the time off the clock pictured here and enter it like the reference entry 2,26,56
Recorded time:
3,45,54
